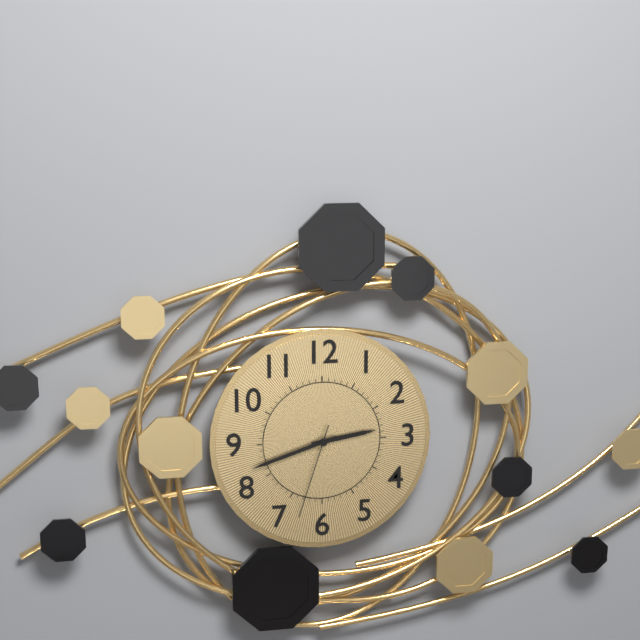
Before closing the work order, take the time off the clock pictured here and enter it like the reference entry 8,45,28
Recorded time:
2,42,33
